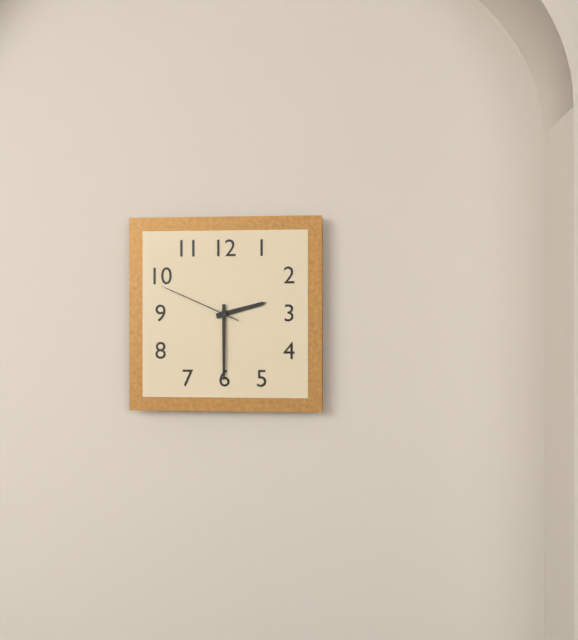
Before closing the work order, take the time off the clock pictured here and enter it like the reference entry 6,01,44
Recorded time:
2,30,49
